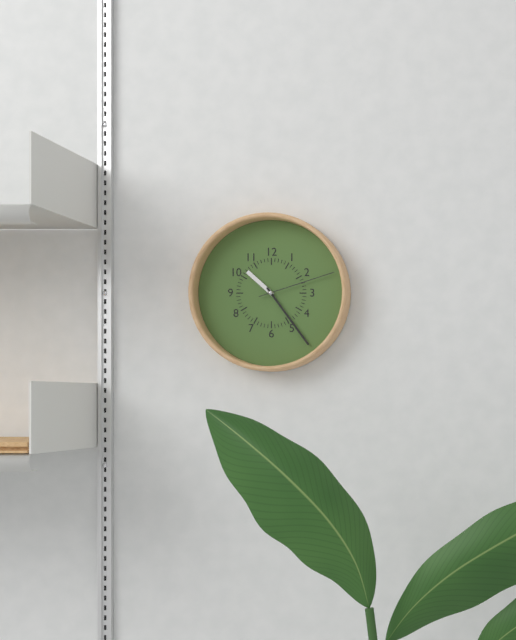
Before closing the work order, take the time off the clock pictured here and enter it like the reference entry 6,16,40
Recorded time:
10,24,12
